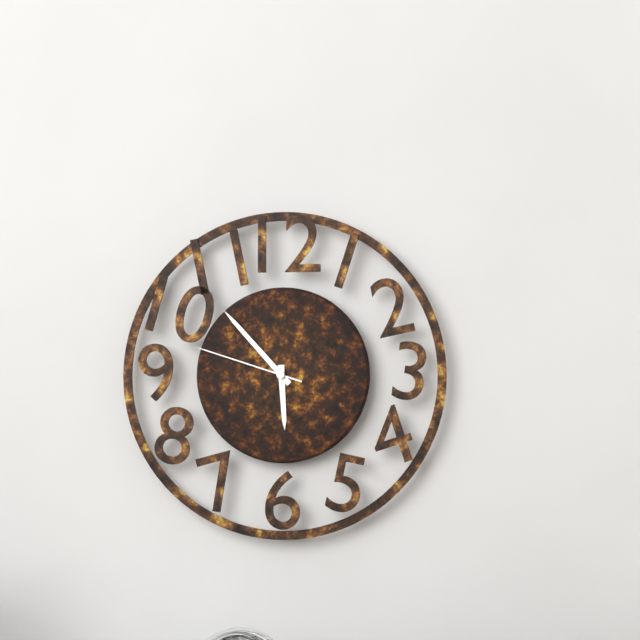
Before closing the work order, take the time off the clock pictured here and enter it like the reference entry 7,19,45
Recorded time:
5,53,48
